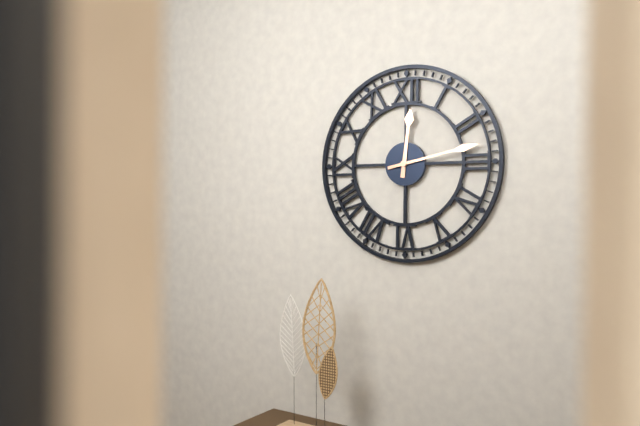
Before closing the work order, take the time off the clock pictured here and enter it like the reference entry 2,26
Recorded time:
12,13
